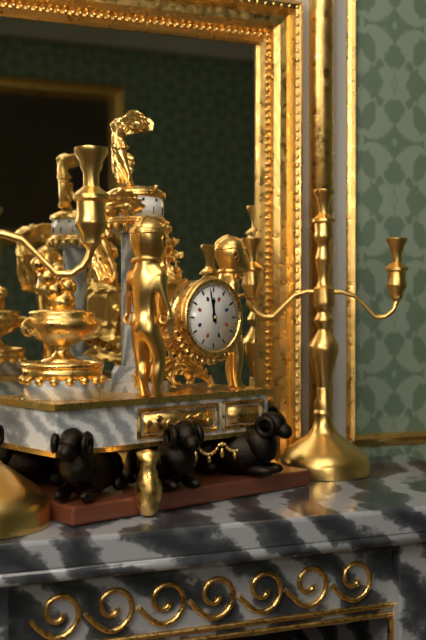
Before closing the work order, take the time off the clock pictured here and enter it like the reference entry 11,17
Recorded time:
11,58
